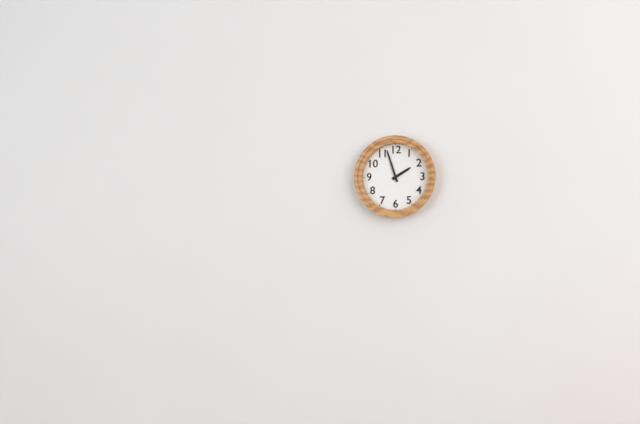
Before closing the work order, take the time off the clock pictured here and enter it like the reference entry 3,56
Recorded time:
1,57
